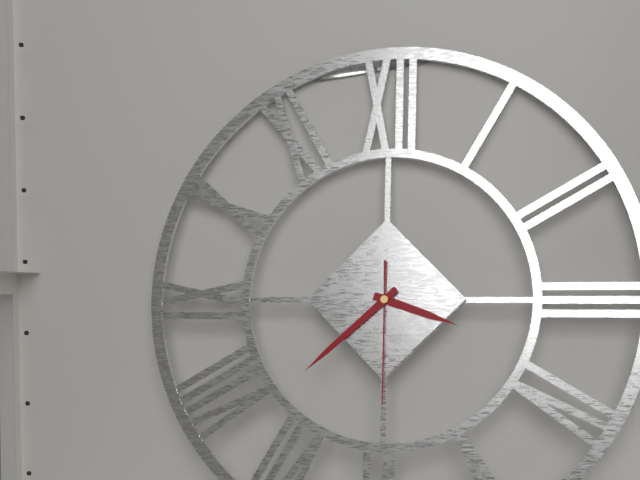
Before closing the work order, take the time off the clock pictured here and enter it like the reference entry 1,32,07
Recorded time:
3,38,30
